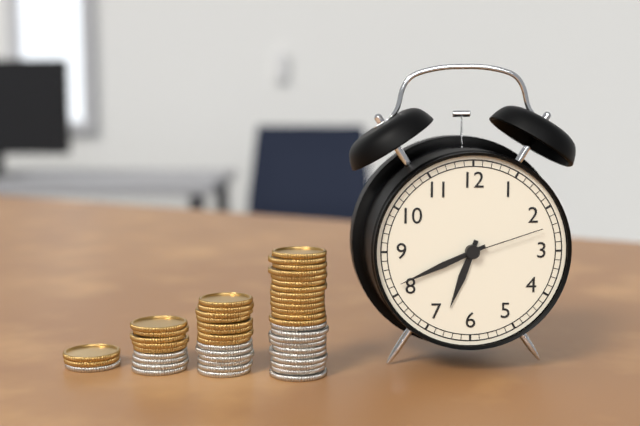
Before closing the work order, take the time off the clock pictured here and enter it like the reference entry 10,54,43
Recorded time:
6,41,12
